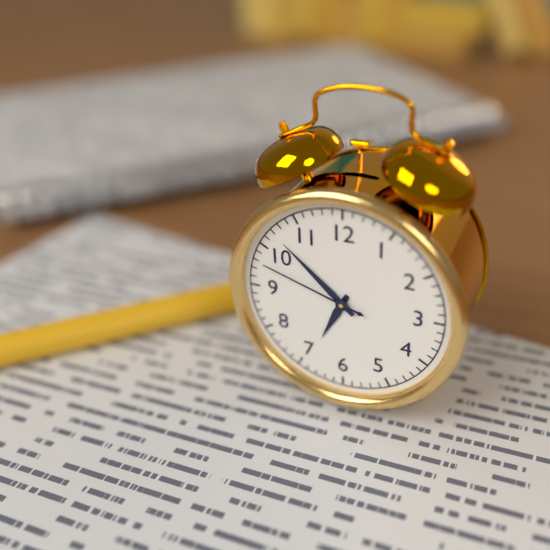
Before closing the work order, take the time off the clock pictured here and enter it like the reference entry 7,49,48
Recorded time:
6,52,48
